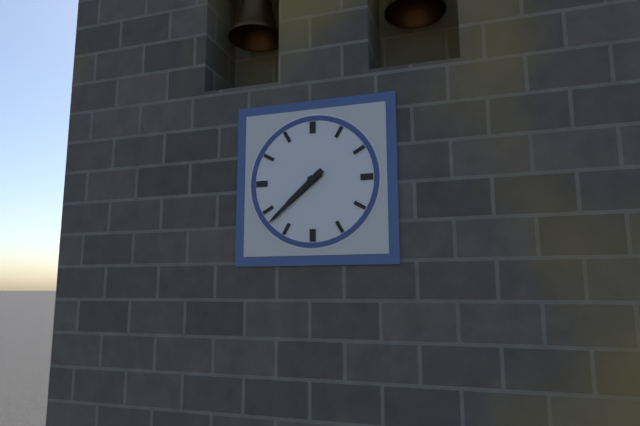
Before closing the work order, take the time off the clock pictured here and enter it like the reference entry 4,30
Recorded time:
7,38
